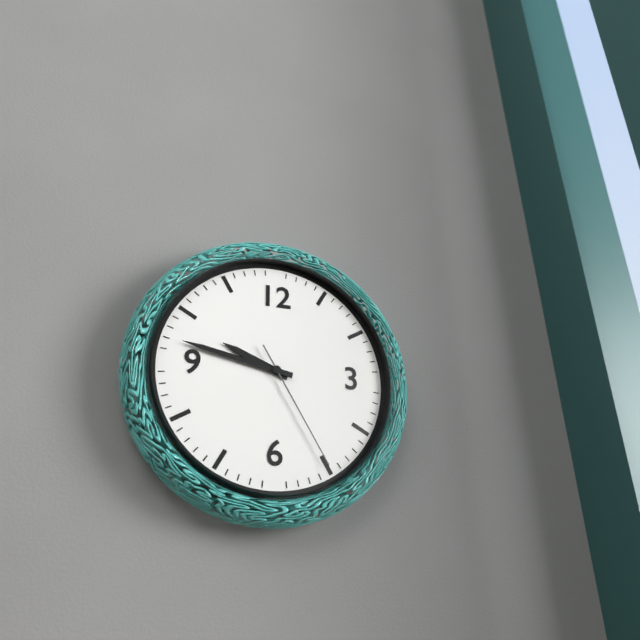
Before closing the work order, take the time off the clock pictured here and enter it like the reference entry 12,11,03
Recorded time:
9,47,25
